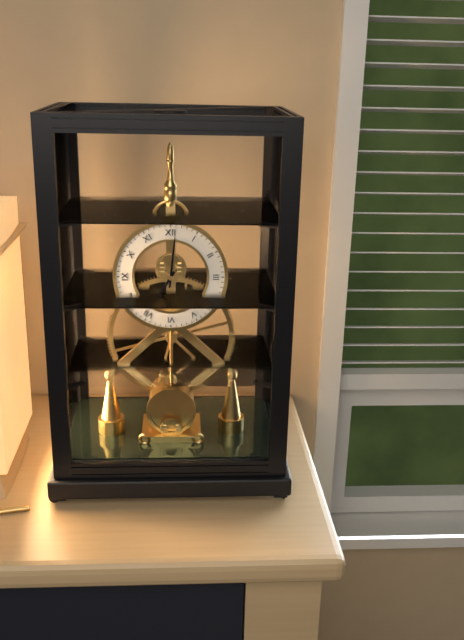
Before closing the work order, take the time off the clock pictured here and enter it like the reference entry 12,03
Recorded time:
7,01
